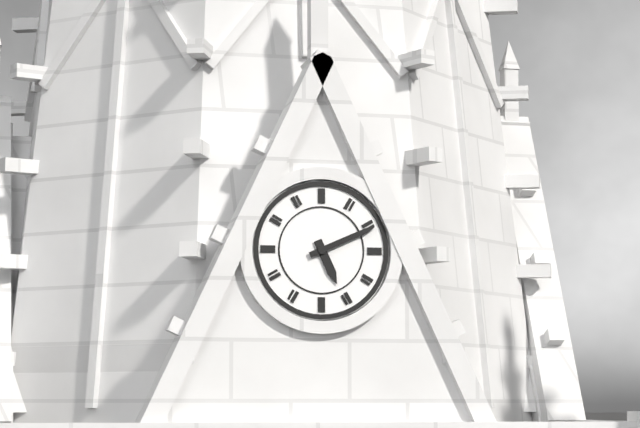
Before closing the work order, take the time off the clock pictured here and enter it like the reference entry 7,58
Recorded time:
5,11
